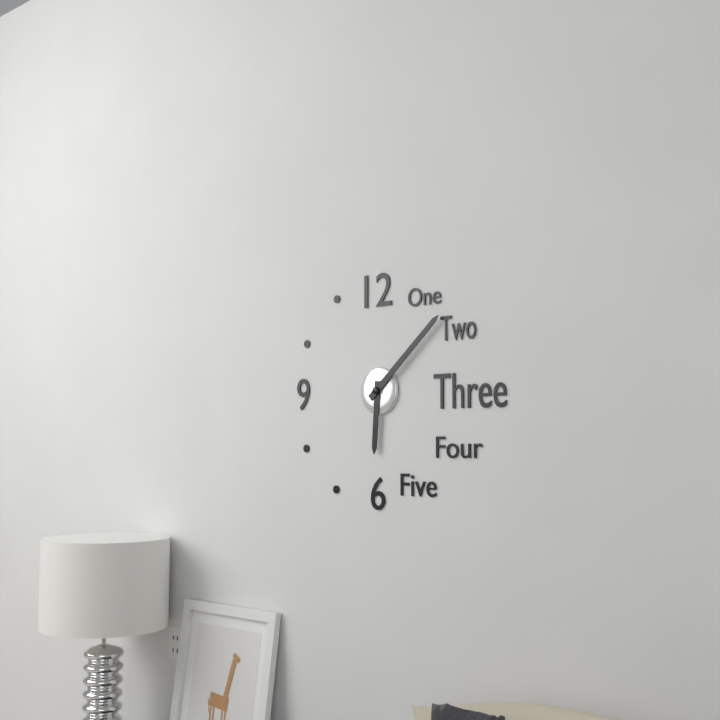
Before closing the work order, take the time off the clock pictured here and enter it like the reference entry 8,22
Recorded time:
6,08
